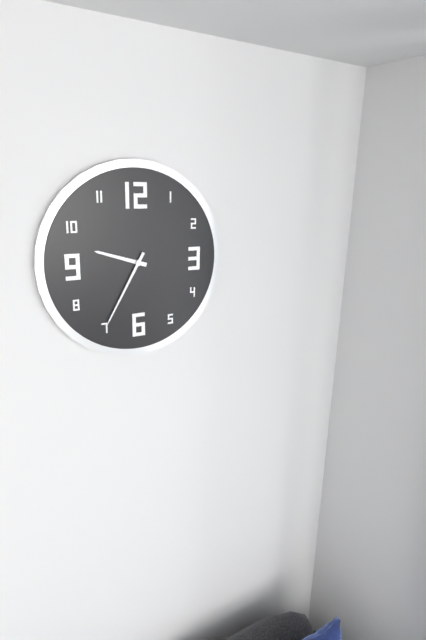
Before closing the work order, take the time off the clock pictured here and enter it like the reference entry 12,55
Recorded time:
9,35
